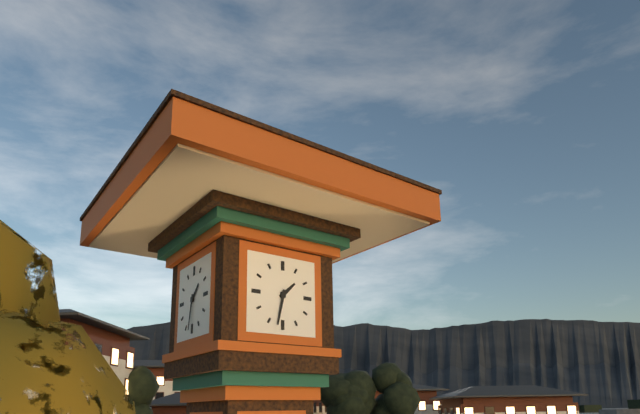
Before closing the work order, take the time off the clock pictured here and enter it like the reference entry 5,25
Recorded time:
1,32
